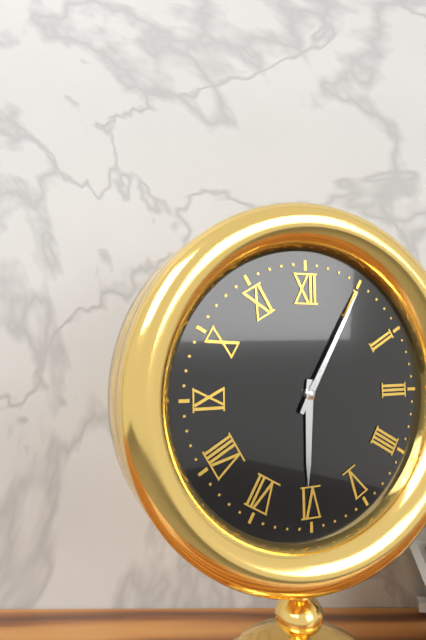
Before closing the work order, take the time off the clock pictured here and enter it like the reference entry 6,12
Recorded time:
6,05
